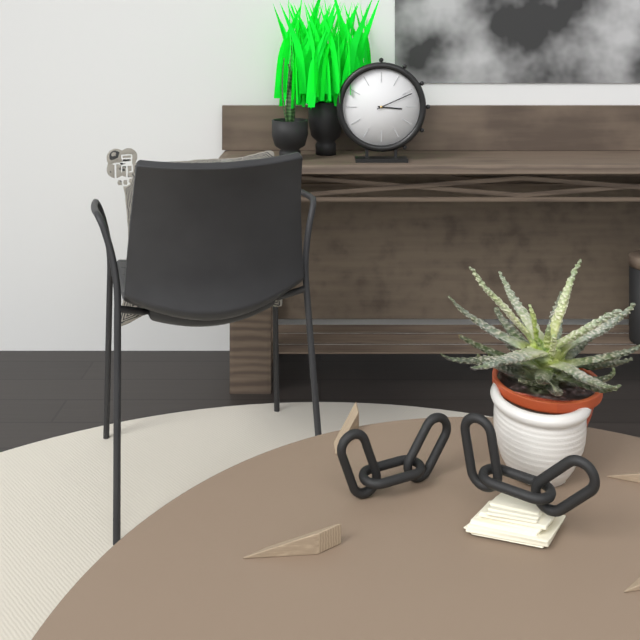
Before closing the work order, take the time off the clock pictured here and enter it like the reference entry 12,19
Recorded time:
3,11
